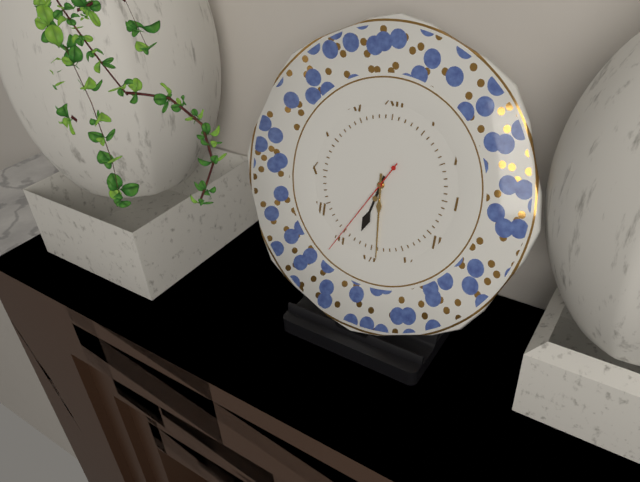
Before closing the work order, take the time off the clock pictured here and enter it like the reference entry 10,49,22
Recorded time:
6,29,35
